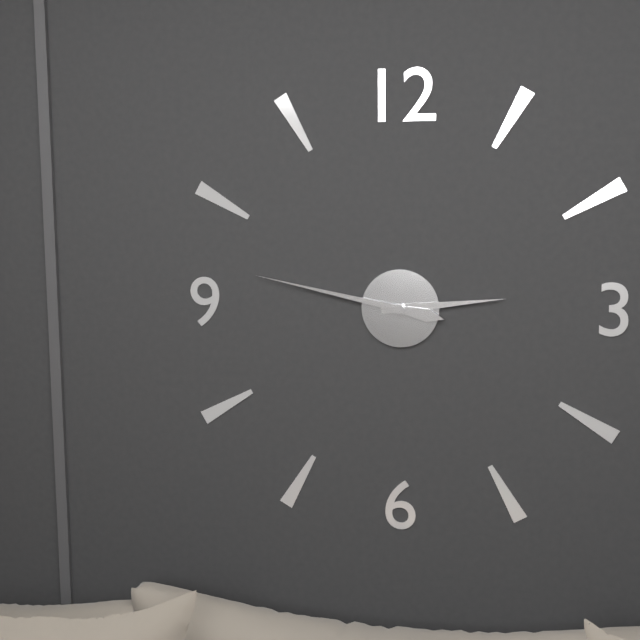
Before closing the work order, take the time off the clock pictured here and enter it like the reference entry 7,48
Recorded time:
2,47
